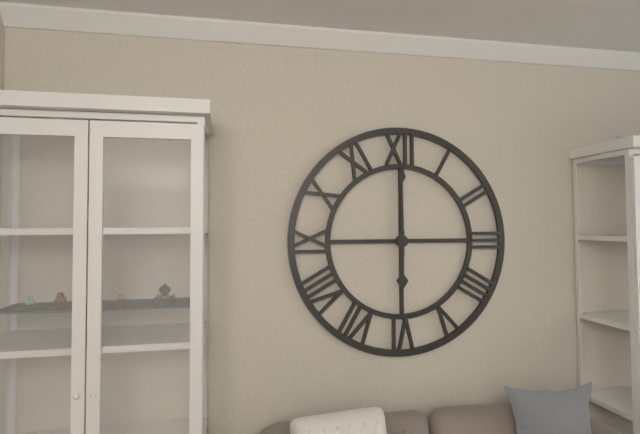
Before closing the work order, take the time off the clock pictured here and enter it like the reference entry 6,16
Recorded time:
6,00
